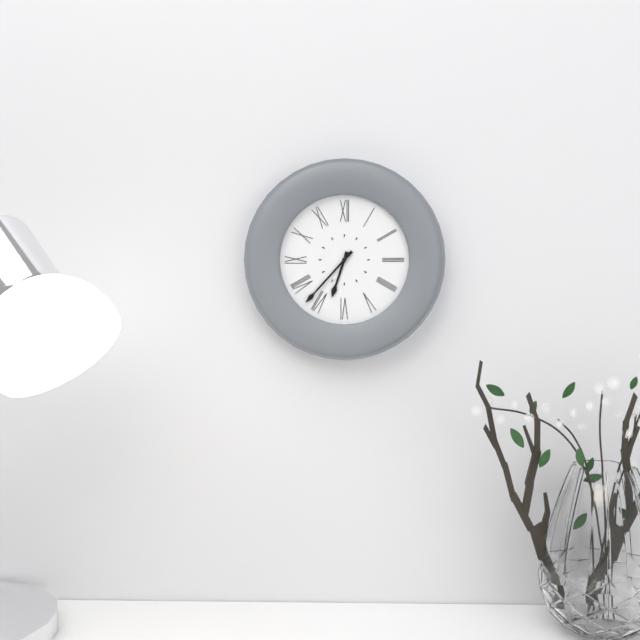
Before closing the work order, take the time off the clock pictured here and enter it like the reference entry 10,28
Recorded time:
6,37
